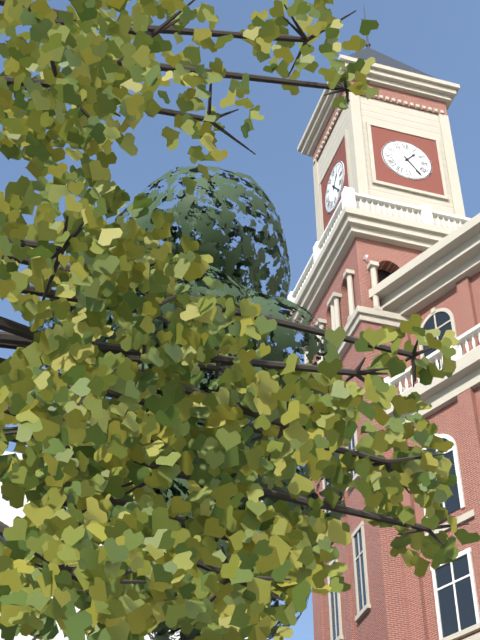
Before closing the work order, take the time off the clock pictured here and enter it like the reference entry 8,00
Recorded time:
1,24
